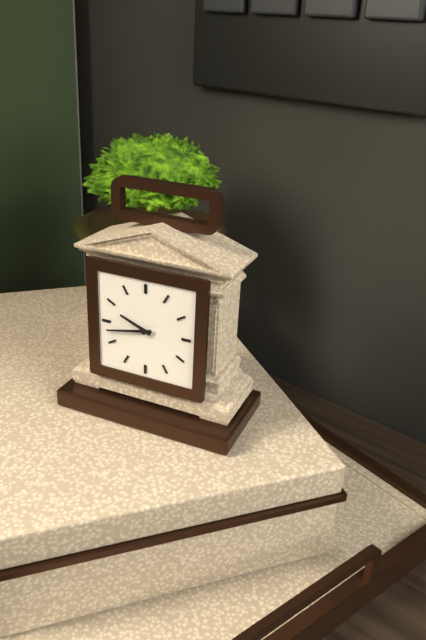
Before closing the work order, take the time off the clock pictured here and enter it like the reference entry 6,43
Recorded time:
9,43
